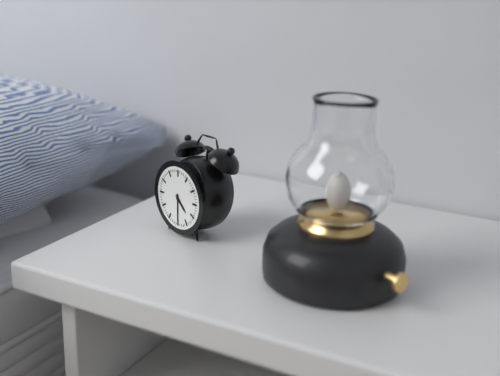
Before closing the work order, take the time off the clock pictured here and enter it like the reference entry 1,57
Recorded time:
4,30
